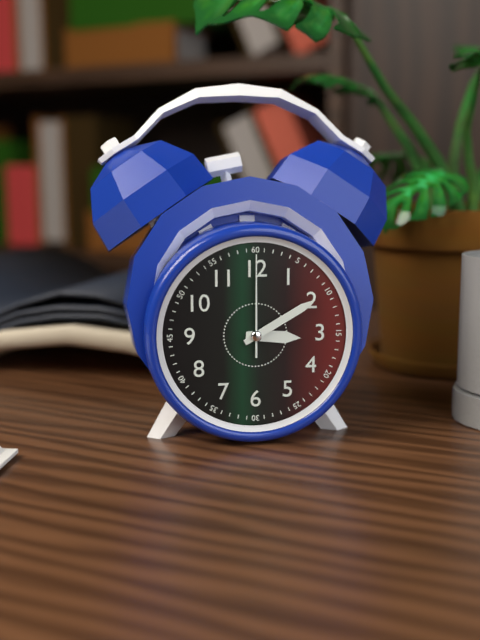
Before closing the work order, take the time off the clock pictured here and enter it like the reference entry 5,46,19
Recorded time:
3,10,00
